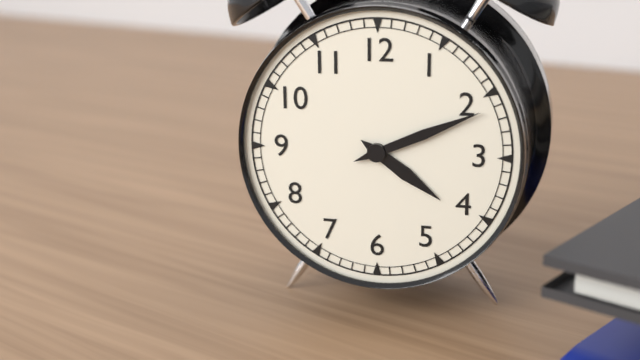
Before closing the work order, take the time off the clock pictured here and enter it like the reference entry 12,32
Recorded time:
4,11
